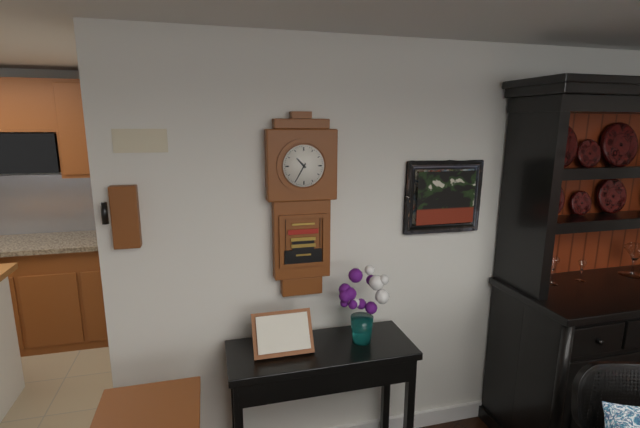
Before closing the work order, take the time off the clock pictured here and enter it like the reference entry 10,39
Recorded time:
10,35
